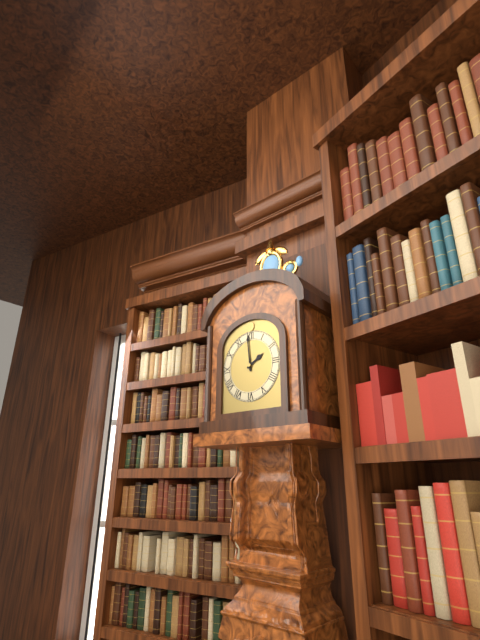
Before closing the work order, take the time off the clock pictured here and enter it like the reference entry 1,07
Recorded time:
1,59
